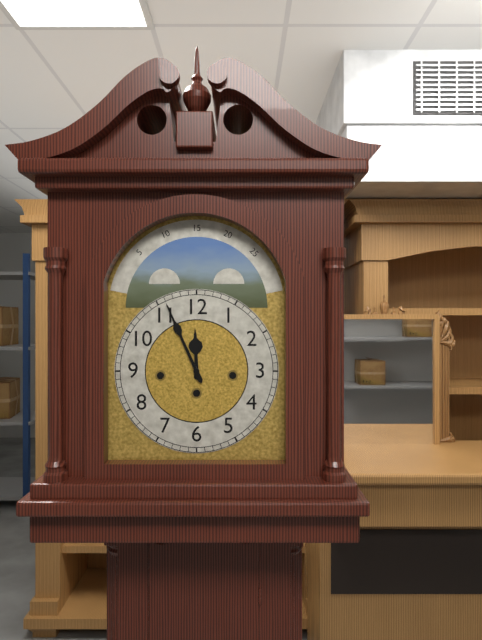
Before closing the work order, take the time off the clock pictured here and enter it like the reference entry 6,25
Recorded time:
11,56
